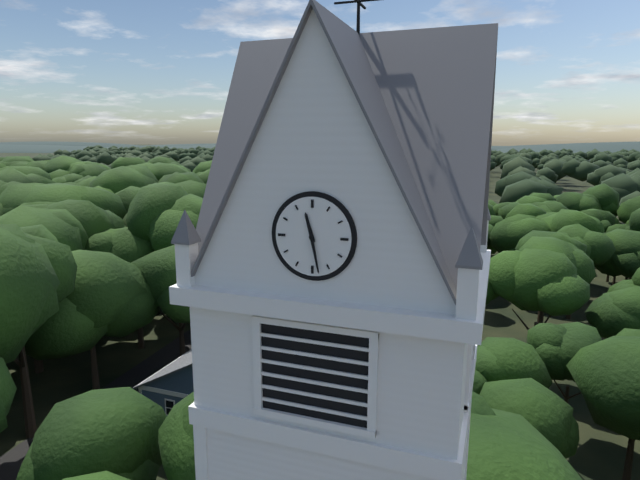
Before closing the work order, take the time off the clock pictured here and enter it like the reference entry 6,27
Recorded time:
11,28
